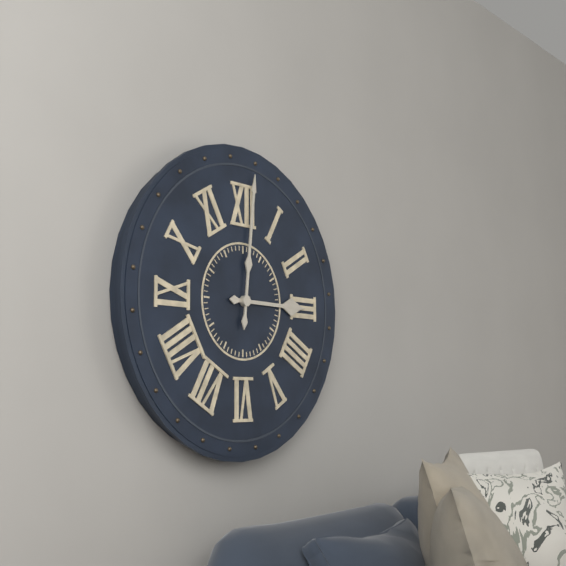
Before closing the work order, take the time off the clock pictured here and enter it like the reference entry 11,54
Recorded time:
3,01
